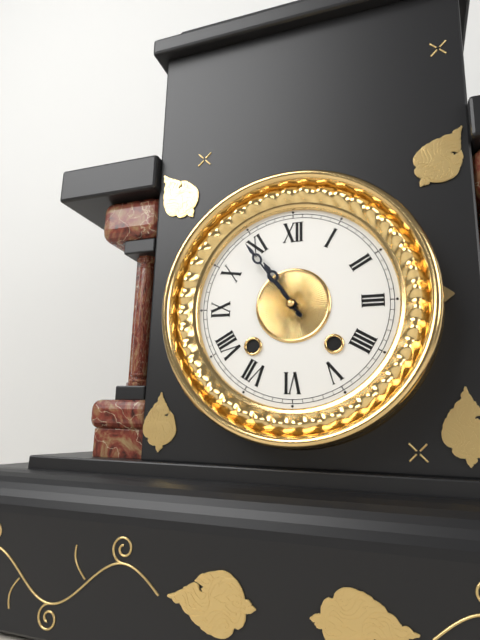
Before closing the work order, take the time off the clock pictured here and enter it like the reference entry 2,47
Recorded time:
10,54
